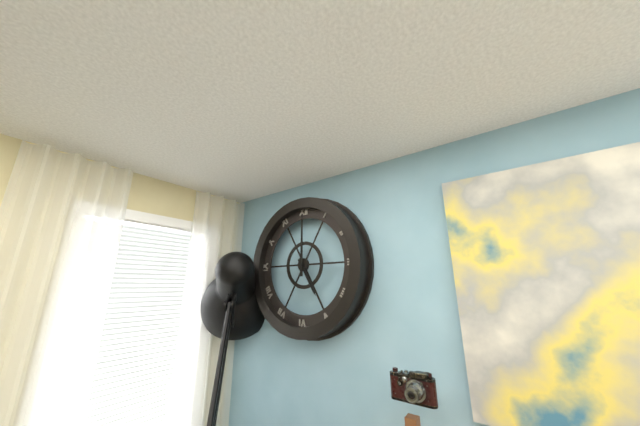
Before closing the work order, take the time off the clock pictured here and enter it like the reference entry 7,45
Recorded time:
5,00
